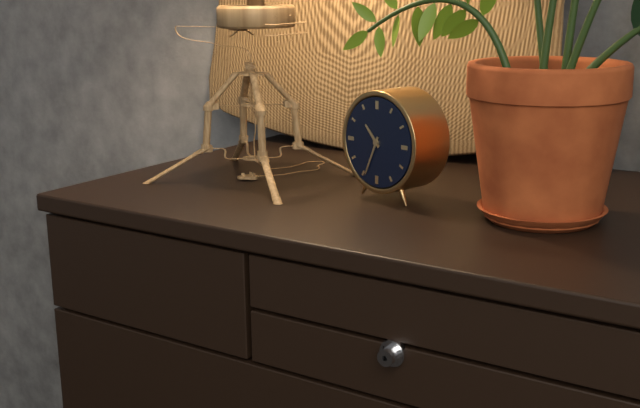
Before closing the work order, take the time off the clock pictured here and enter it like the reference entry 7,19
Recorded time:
10,34
